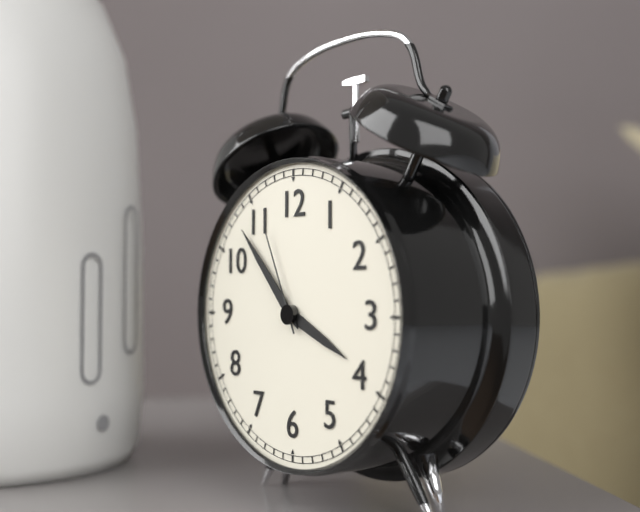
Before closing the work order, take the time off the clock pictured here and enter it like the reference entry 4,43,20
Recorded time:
3,53,56
